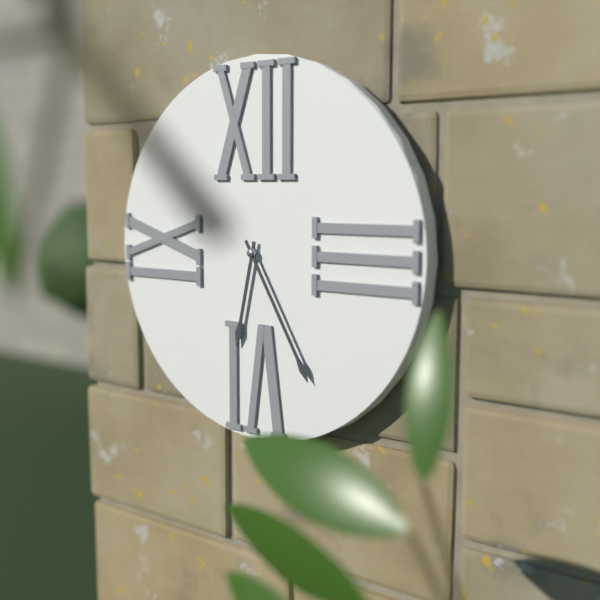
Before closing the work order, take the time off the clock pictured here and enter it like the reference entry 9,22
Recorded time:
6,25
